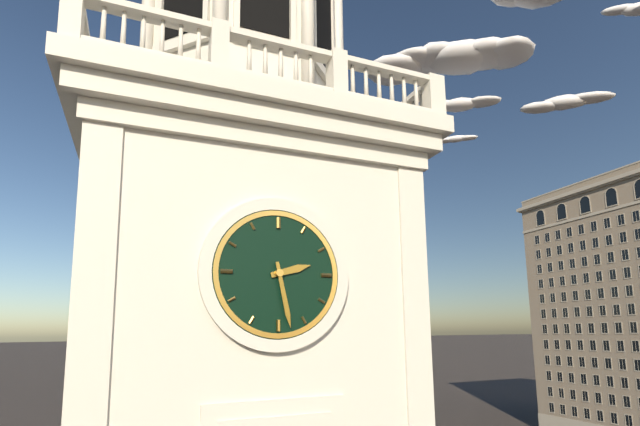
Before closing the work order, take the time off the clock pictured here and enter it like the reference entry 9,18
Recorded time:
2,28
